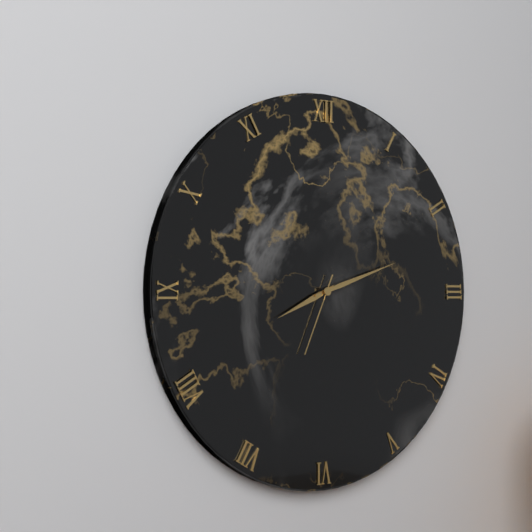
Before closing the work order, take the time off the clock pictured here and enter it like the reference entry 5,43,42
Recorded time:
8,12,34
